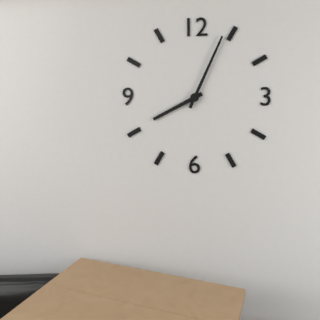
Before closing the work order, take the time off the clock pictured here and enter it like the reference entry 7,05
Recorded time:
8,04
